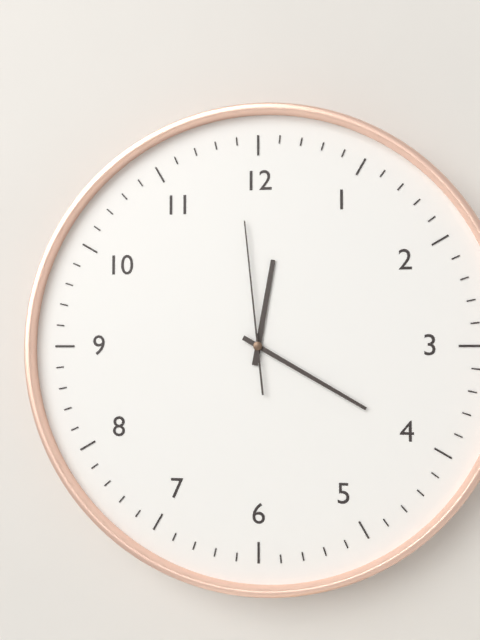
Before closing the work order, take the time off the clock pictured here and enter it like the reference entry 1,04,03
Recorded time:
12,20,59
